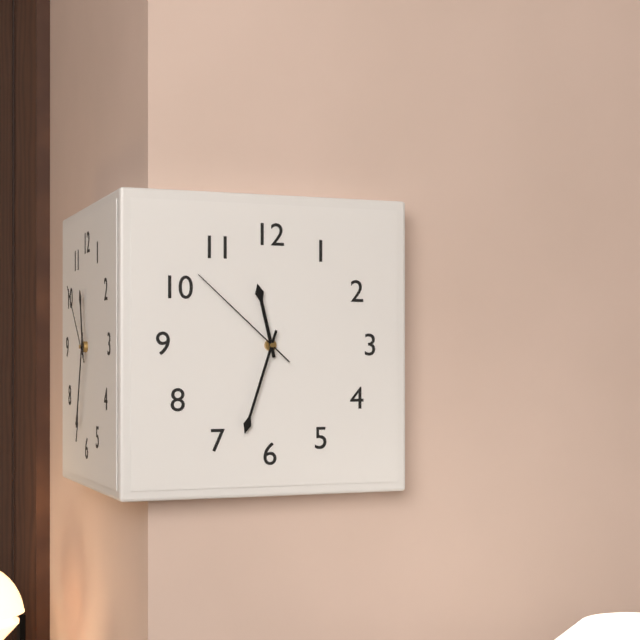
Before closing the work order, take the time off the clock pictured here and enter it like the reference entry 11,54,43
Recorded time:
11,33,52
